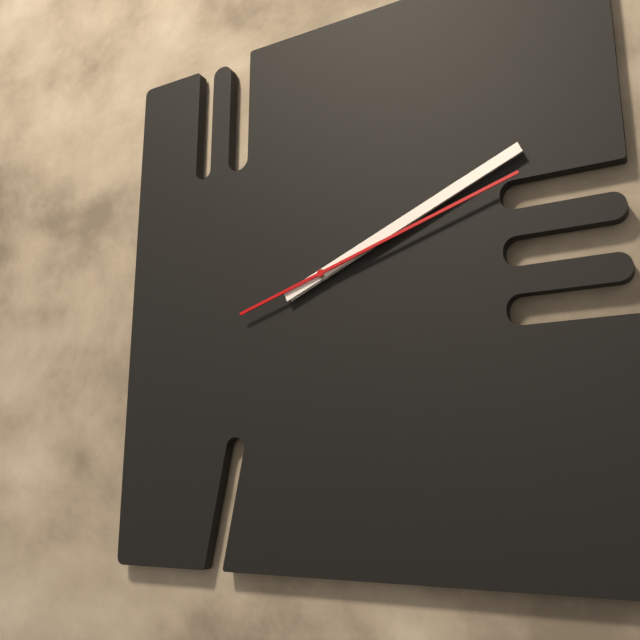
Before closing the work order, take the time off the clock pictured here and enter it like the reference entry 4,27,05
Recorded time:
2,11,12
